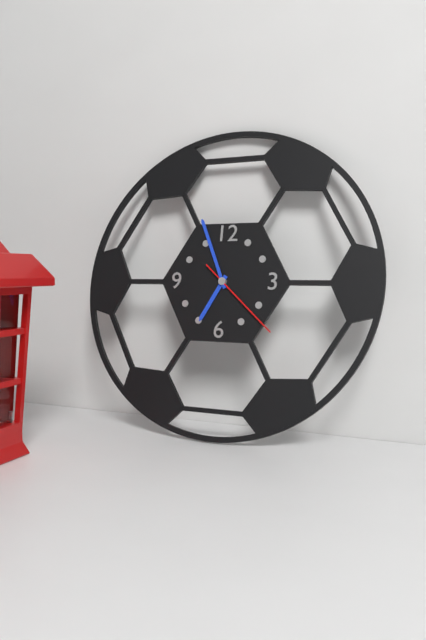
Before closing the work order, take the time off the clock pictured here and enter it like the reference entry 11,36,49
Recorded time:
6,56,22
